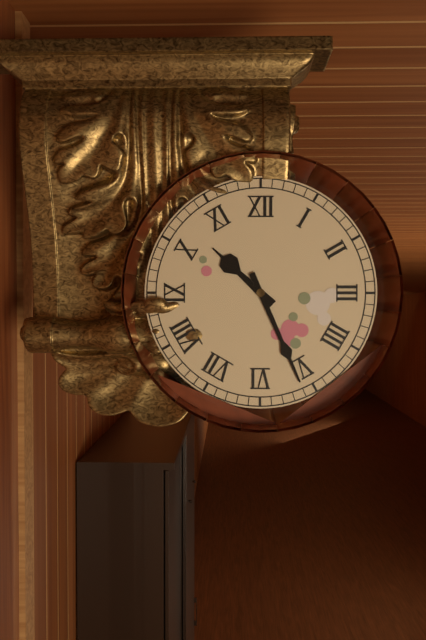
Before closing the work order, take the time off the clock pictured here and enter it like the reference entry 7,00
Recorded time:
10,26
